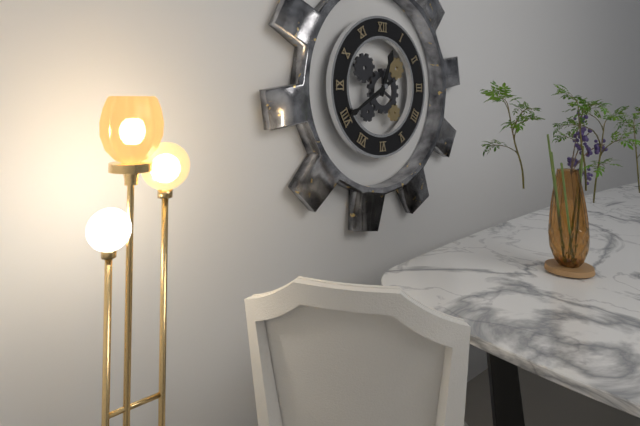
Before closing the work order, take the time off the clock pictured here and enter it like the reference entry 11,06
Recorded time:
12,40
